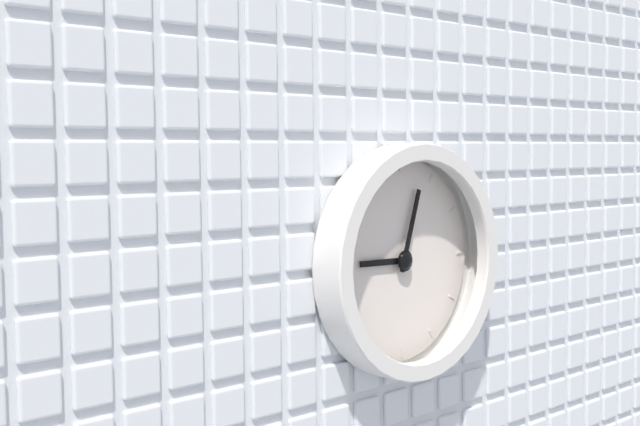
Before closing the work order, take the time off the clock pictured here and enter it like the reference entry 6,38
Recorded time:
9,03
